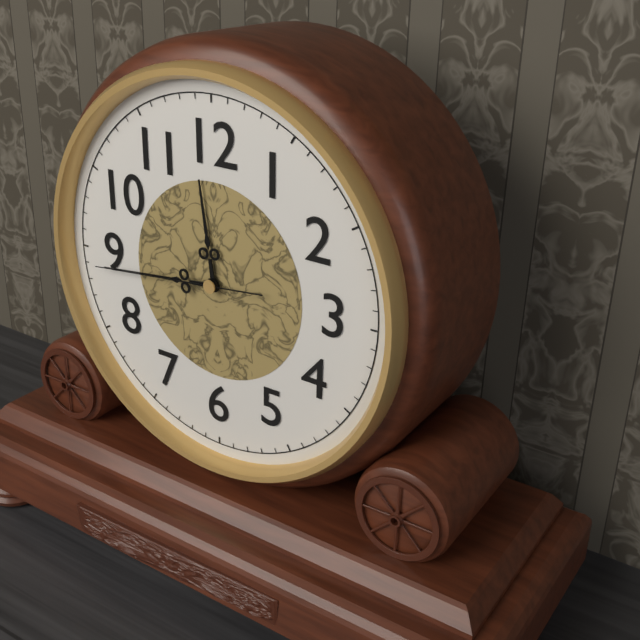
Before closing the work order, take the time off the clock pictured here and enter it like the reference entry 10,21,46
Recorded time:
11,44,44
